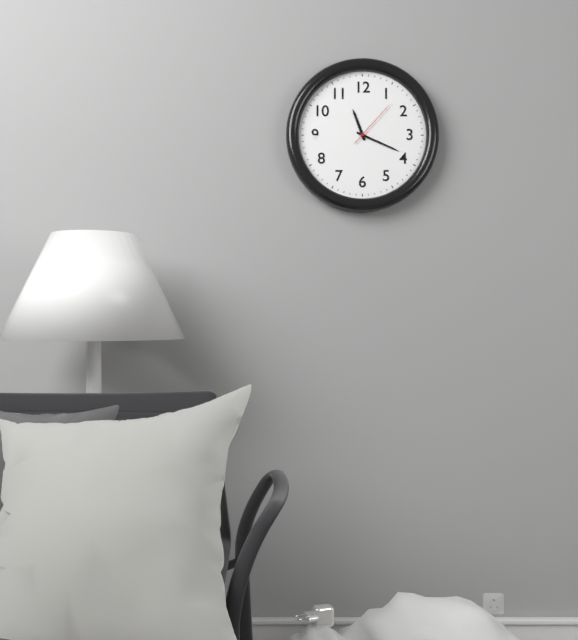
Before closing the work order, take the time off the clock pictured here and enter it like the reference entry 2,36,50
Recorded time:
11,19,07
